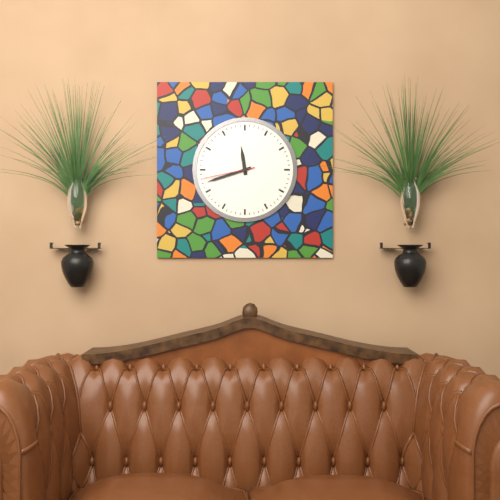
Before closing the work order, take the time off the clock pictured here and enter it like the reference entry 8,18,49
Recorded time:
11,42,43
